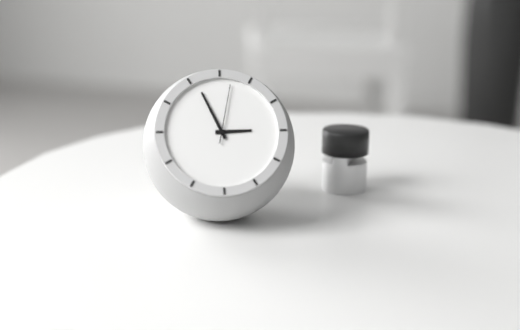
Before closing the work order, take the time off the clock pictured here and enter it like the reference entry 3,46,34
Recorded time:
2,56,02
